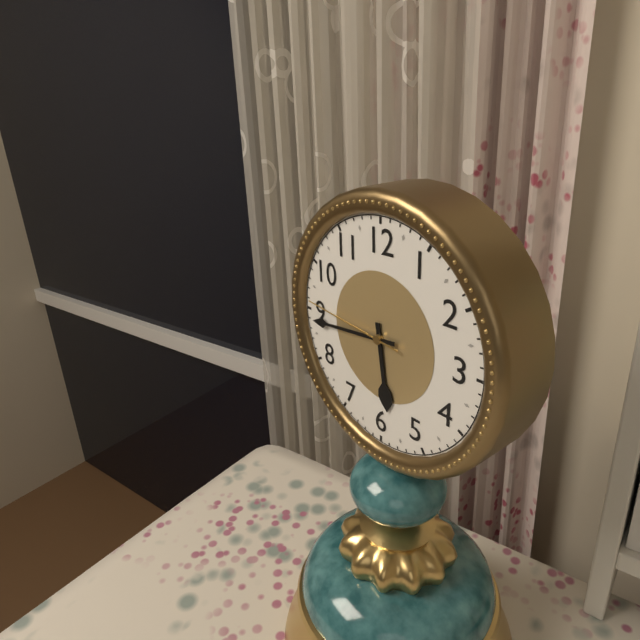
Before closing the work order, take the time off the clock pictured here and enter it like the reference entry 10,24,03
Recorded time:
5,44,46
